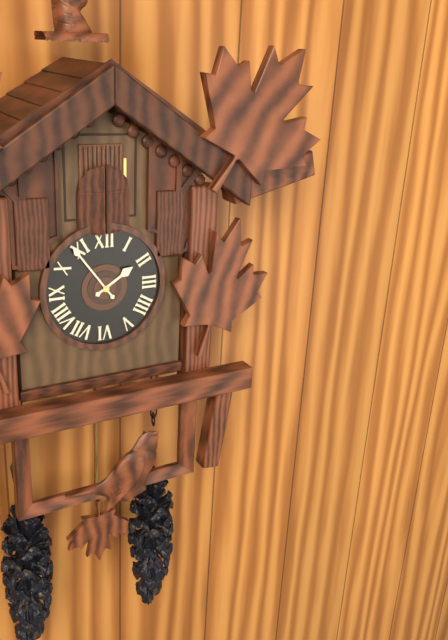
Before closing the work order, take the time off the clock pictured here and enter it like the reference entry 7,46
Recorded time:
1,54
